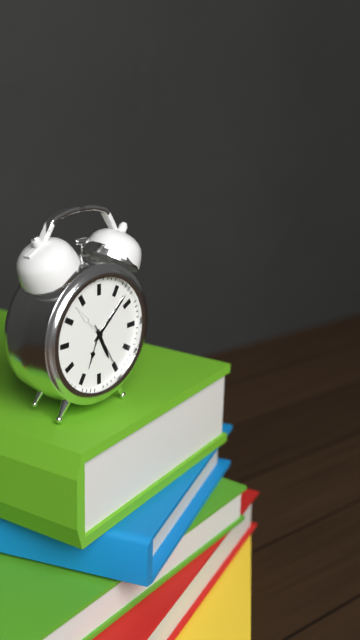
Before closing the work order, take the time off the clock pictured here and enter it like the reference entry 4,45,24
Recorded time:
5,08,25
